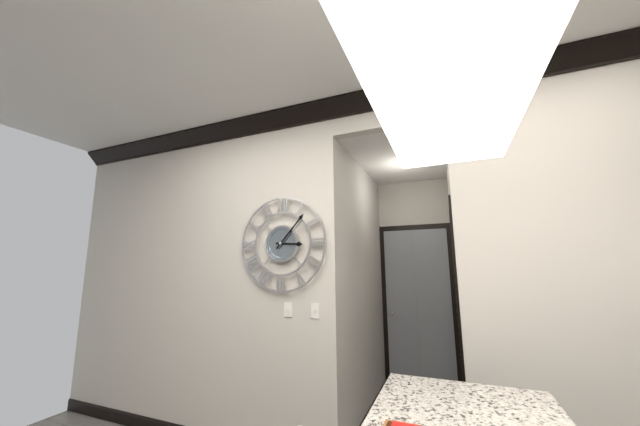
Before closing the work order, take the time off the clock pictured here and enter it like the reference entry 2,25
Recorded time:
3,07
